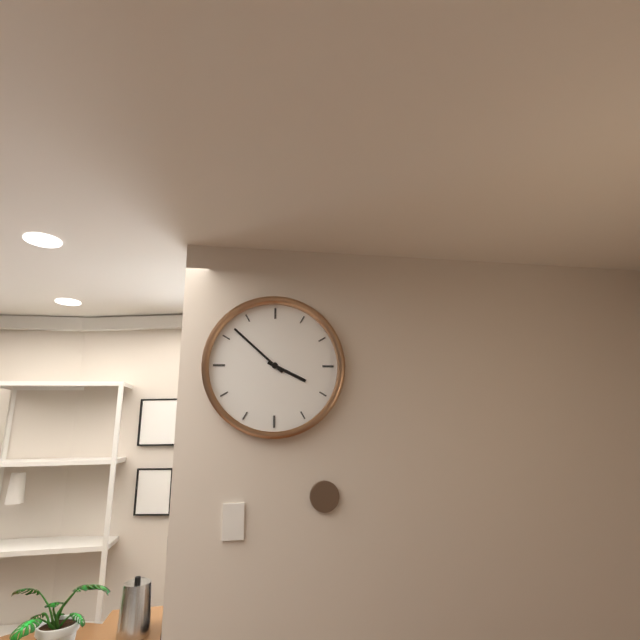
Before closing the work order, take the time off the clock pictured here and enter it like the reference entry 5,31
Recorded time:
3,52
